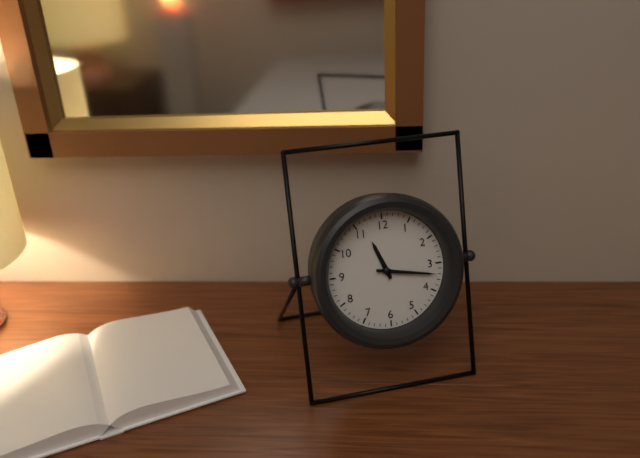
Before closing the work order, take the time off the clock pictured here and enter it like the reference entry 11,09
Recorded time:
11,17
